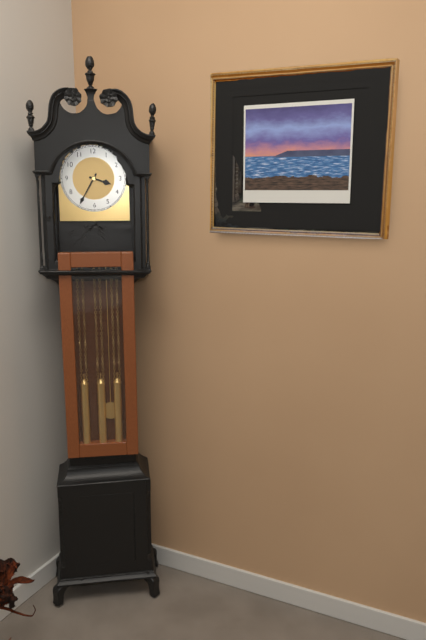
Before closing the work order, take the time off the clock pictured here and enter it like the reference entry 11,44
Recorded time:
3,35
